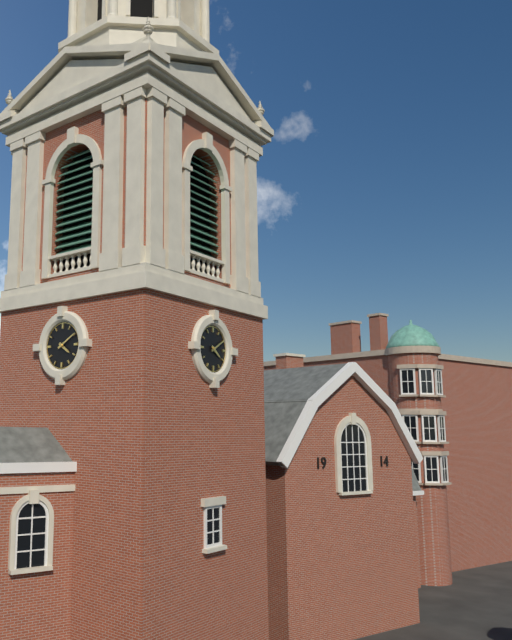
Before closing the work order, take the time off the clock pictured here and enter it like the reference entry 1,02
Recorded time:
4,10
